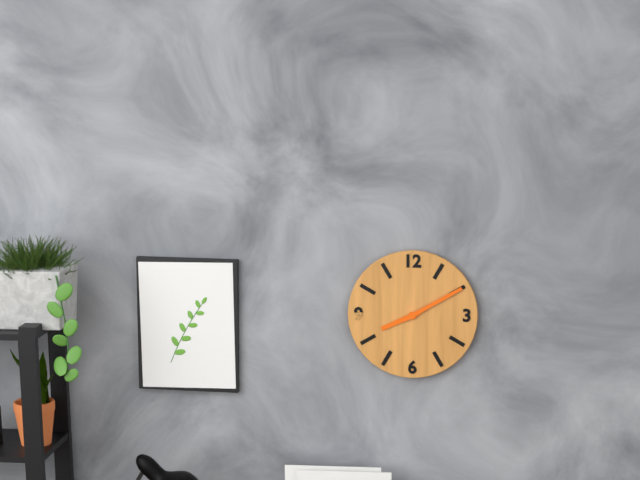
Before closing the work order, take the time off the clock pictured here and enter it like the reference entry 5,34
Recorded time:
8,10
